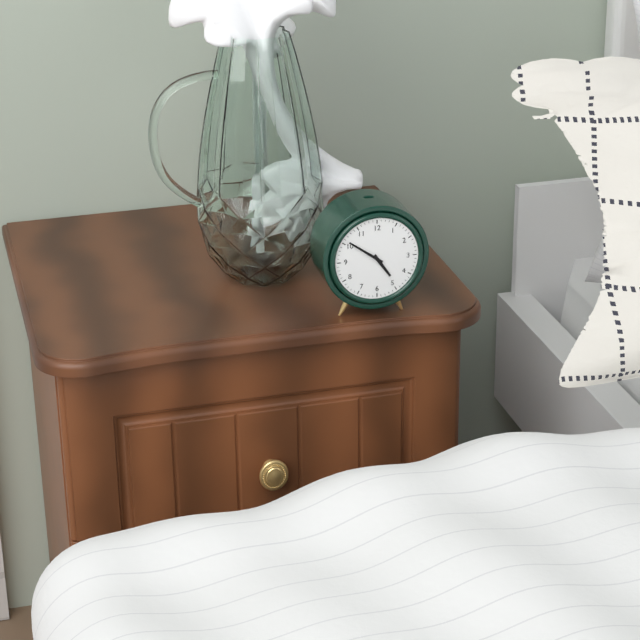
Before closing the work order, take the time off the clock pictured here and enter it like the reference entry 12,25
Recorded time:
4,51
